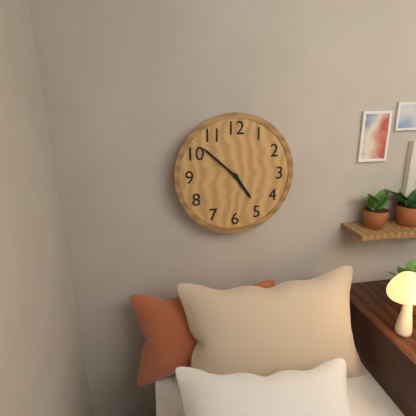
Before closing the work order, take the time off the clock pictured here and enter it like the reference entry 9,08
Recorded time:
4,52
